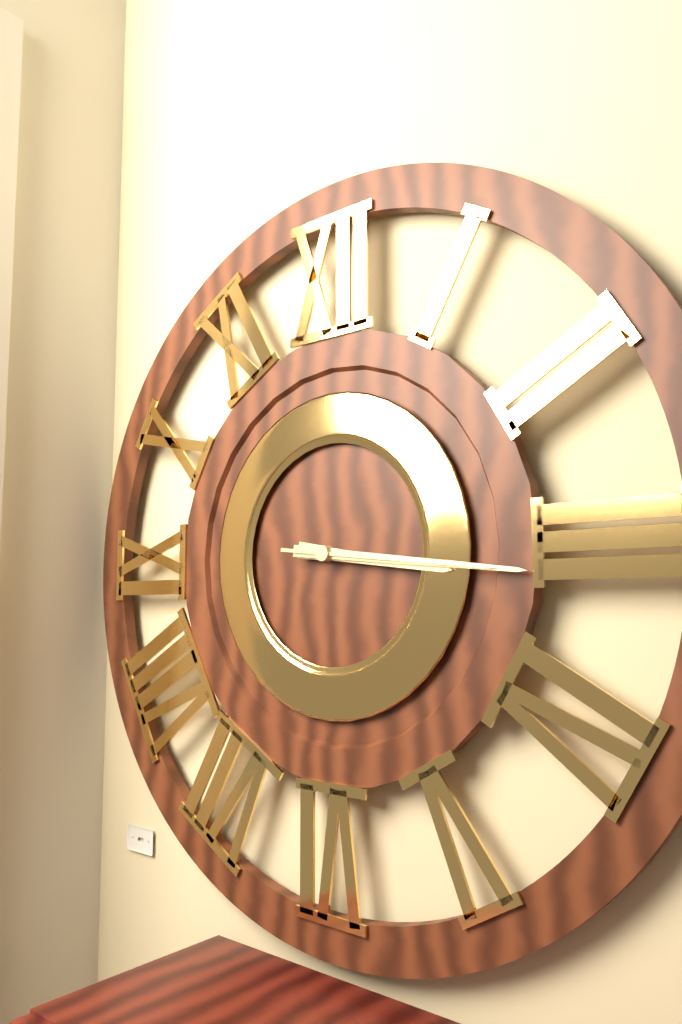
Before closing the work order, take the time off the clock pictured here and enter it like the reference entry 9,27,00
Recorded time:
3,16,16
